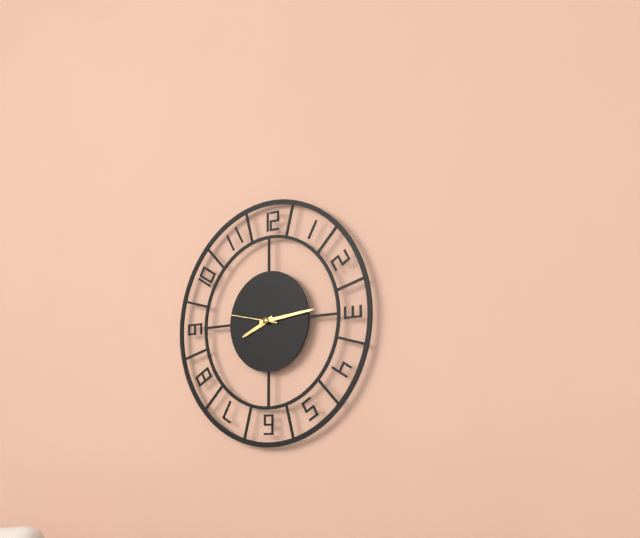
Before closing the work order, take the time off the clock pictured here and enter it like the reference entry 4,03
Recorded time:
8,14
